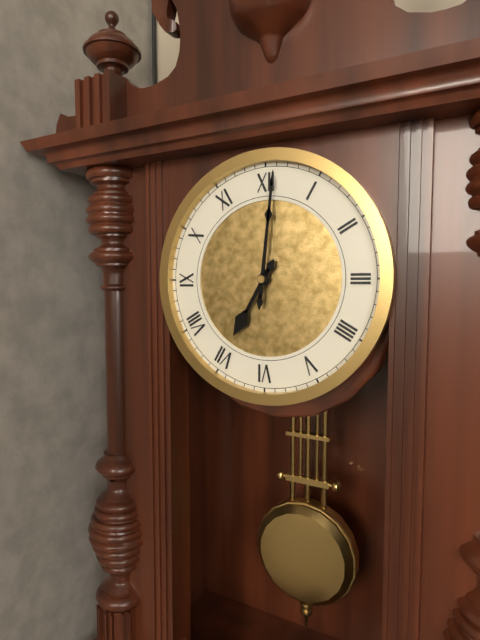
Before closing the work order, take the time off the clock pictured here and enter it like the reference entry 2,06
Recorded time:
7,01
